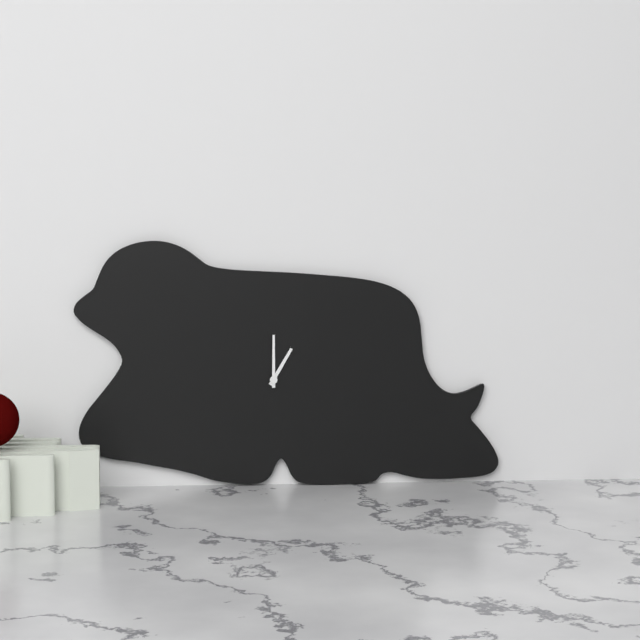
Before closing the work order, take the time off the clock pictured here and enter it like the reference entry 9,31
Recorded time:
1,00
